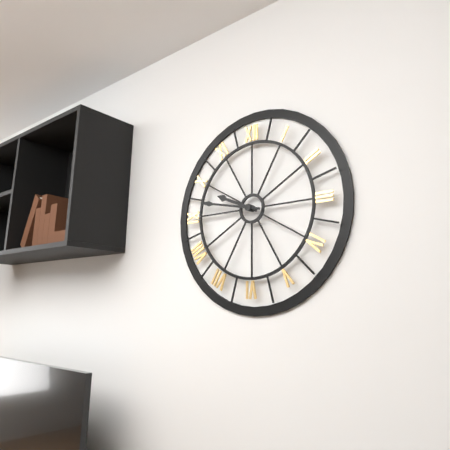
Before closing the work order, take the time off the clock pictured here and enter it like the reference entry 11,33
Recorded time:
9,47
